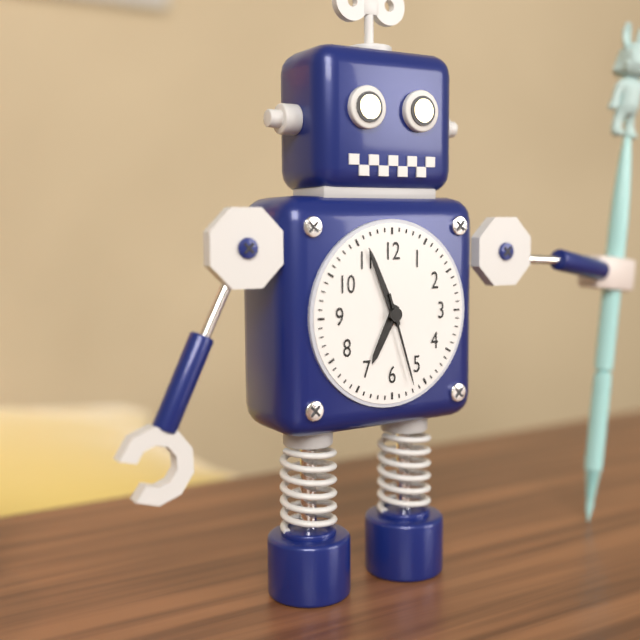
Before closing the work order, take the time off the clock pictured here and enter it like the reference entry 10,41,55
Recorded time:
6,56,27
